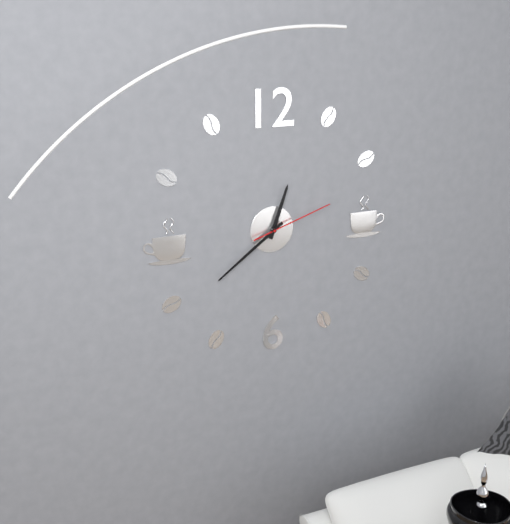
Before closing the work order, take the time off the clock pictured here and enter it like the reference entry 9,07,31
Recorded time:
12,39,12
